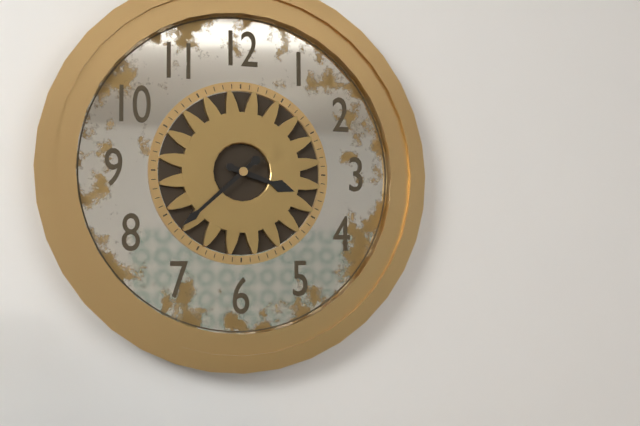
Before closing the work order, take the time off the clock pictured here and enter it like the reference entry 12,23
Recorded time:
3,38
